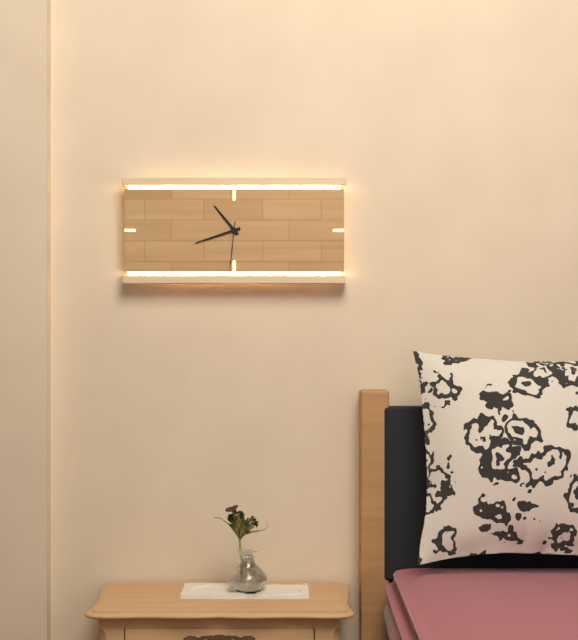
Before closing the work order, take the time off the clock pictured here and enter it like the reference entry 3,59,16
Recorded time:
10,42,31
